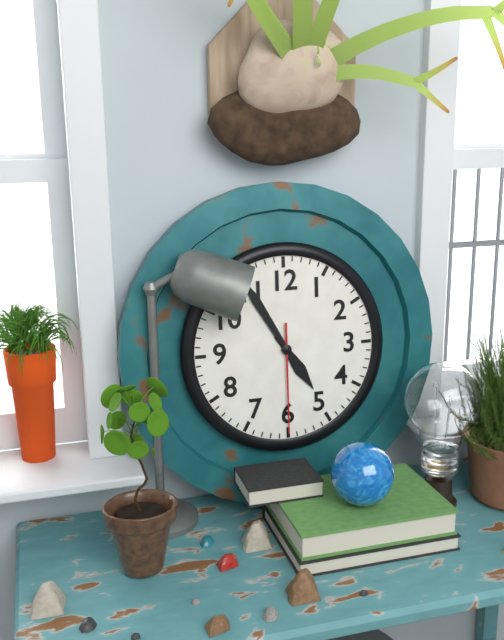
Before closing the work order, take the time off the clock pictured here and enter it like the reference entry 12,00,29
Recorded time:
4,55,30
